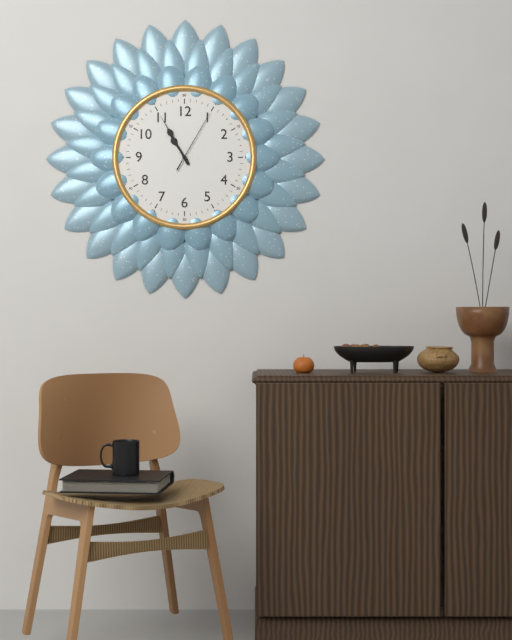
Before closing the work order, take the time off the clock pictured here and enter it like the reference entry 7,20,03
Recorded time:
10,55,05
